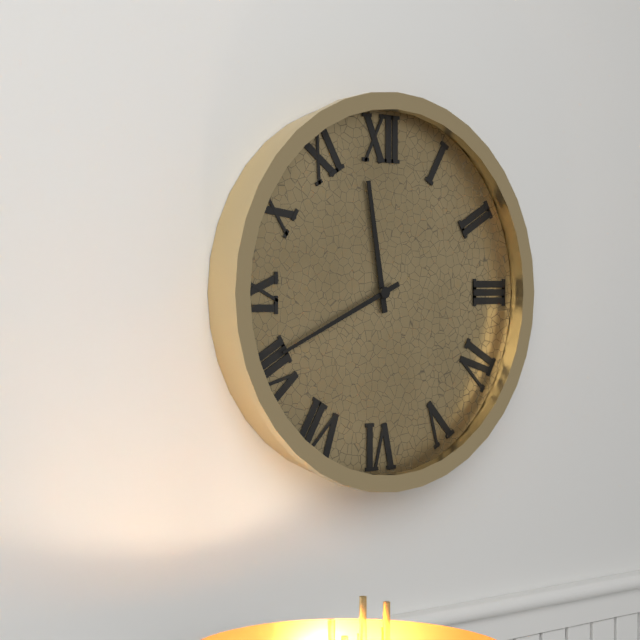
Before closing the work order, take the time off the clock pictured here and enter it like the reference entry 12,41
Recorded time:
11,41
